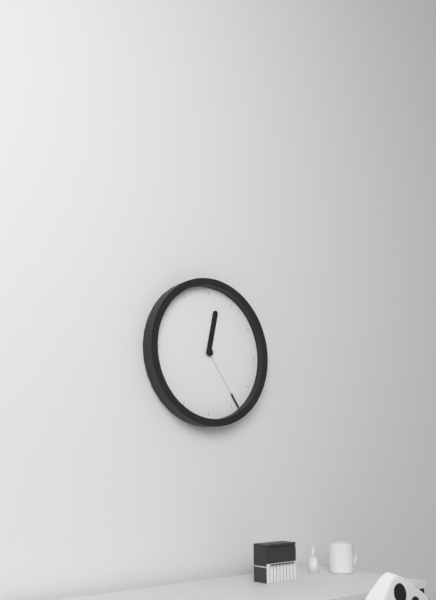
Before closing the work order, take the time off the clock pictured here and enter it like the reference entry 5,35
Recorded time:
12,24
